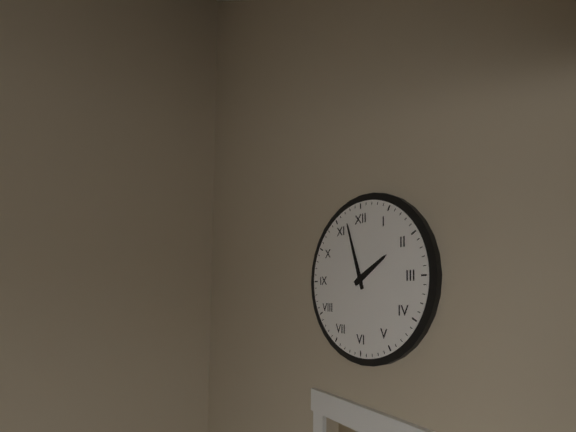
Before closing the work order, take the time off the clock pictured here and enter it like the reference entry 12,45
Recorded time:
1,57
